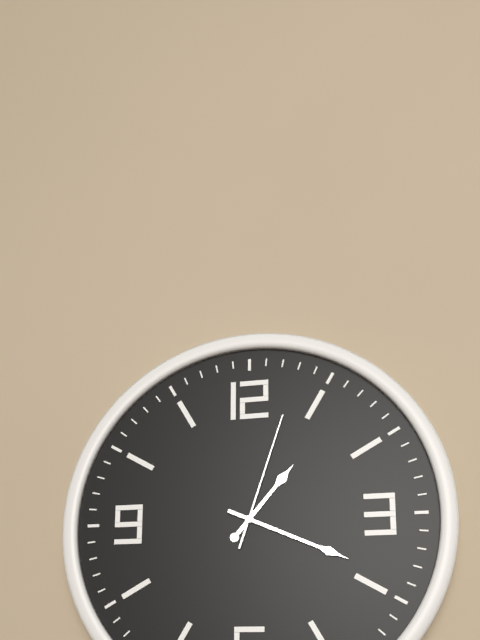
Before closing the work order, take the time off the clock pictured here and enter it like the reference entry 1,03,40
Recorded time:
1,19,03
